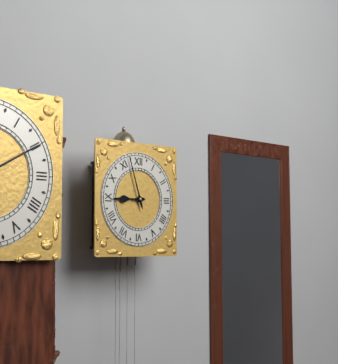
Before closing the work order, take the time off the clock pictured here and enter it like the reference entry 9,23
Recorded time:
8,57
